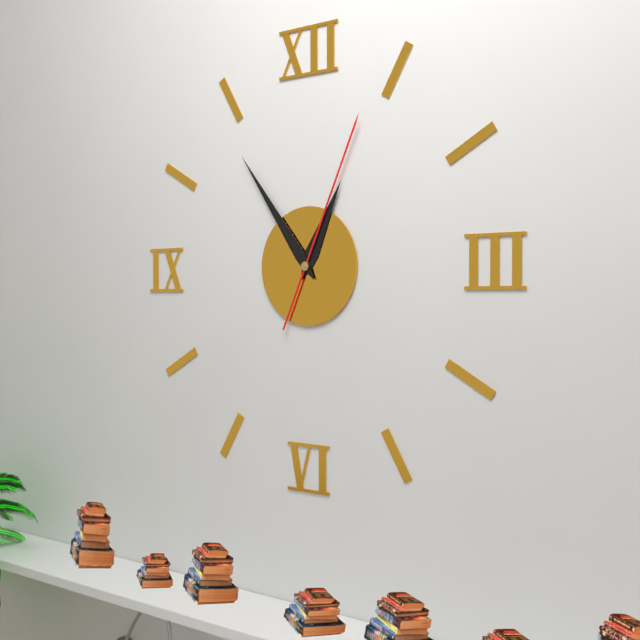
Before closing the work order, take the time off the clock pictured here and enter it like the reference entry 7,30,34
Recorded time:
12,54,04
